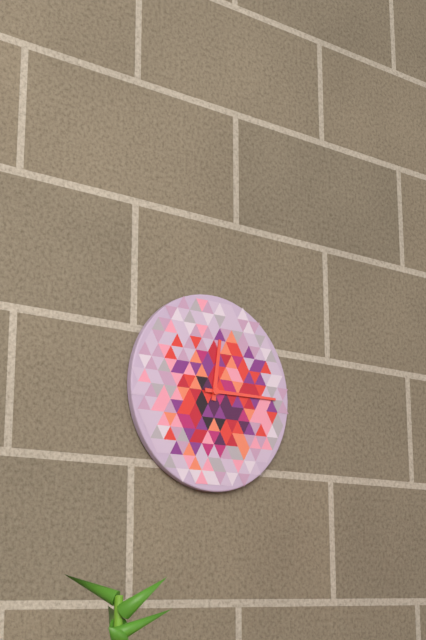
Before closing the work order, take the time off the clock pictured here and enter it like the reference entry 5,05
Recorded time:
12,15
